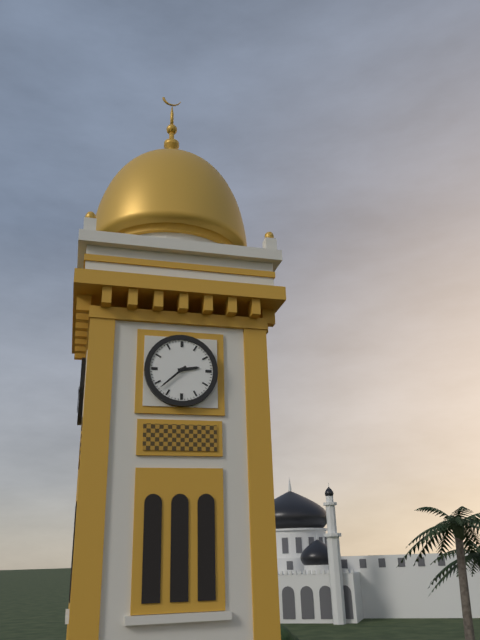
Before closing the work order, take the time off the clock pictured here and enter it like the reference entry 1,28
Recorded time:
2,38
